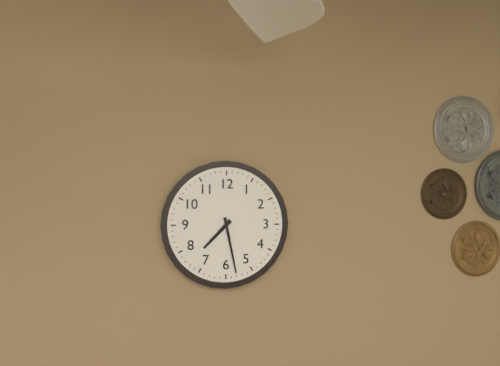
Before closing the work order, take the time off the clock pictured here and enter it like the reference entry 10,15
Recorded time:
7,28
